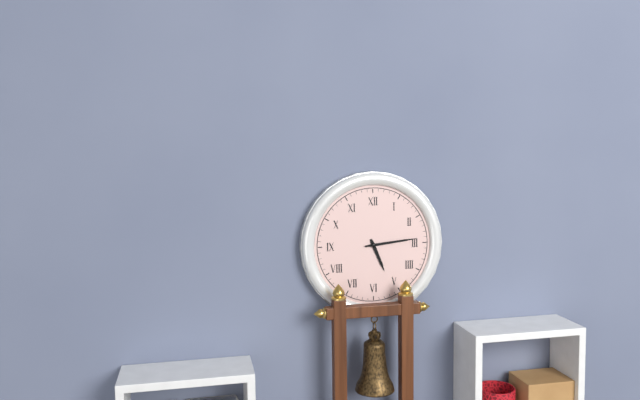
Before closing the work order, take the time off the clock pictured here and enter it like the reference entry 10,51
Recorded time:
5,14
